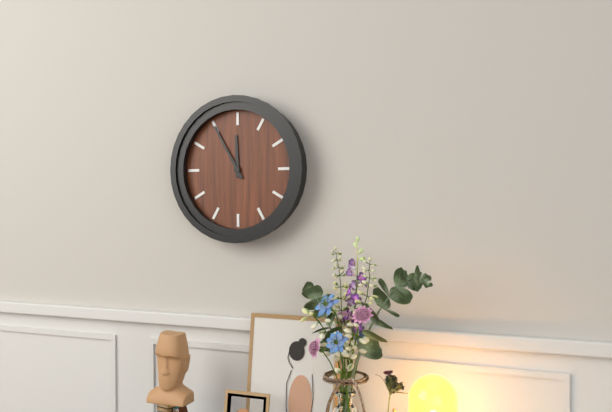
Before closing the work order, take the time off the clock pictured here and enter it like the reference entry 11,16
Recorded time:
11,55
